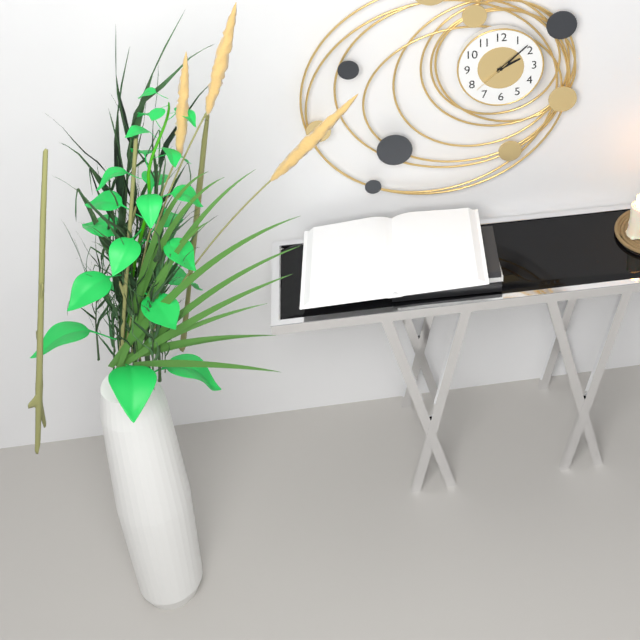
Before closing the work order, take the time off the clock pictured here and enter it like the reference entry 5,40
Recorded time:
2,08
